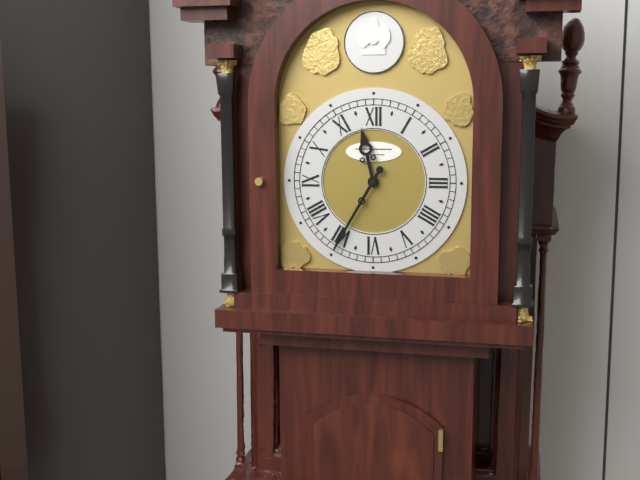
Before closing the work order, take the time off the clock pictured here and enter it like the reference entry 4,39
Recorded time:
11,35
